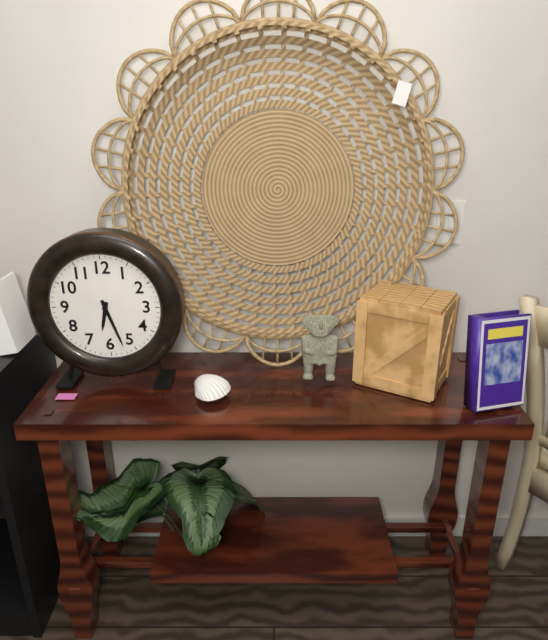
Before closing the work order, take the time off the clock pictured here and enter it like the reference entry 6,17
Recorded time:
6,27
